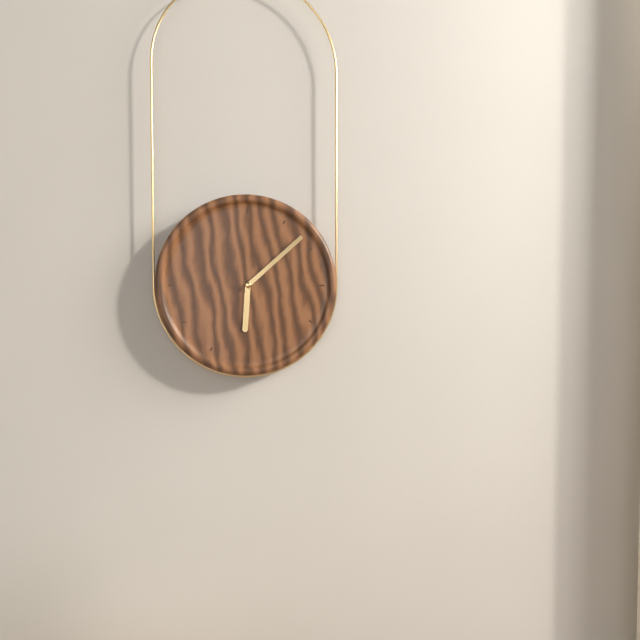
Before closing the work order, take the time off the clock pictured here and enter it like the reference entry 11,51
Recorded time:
6,08
